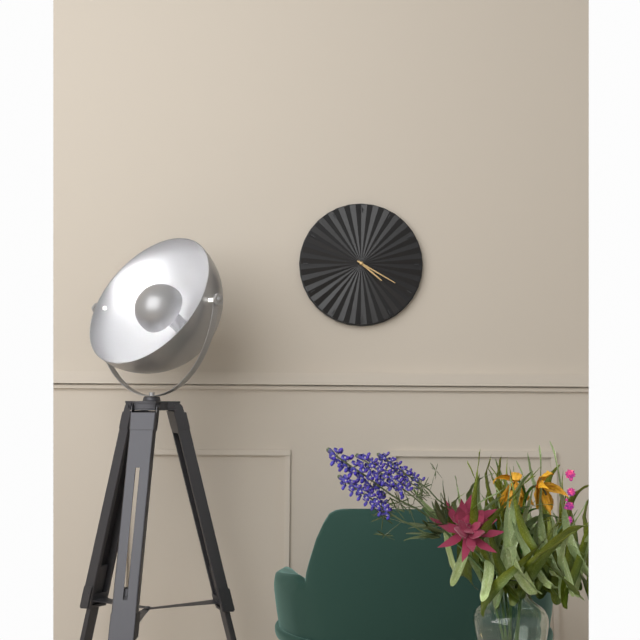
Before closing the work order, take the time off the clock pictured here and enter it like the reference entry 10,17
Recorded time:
4,20
